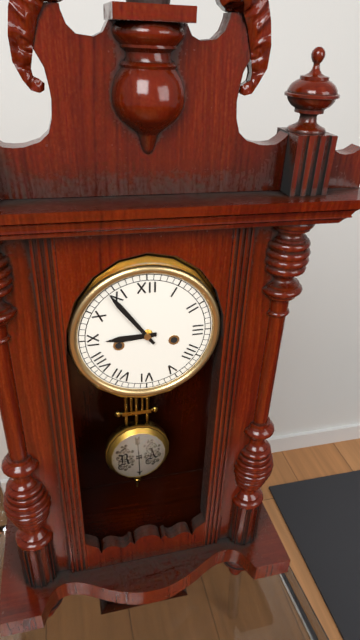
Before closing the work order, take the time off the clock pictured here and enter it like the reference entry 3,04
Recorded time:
8,54
